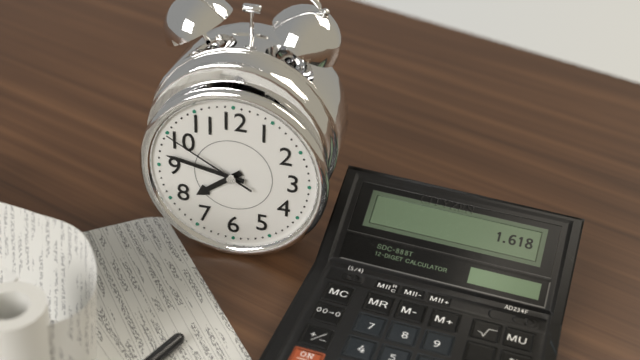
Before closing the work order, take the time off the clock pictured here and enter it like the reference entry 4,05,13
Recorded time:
7,47,50
